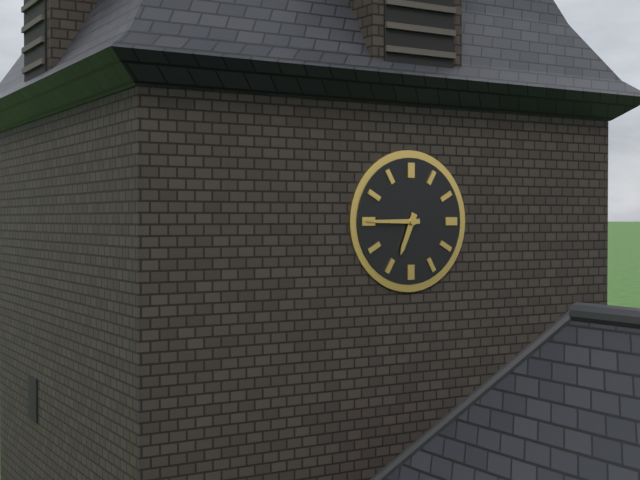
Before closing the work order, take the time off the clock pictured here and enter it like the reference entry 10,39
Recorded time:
6,45
